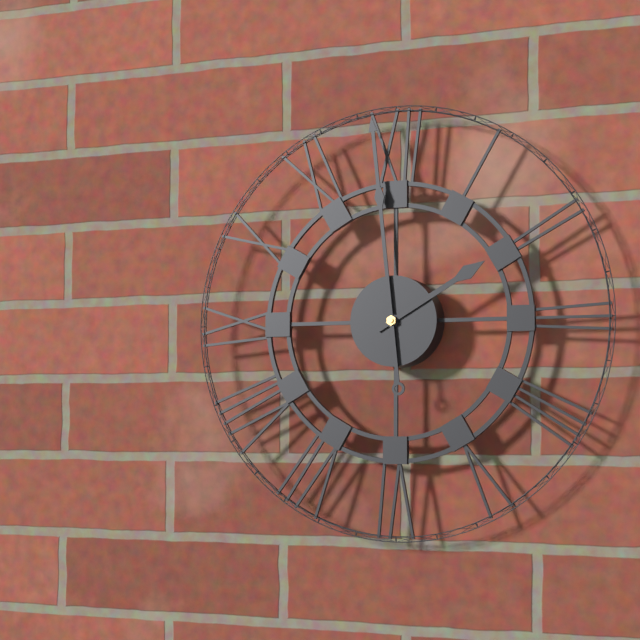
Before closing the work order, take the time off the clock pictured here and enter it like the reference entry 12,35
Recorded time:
1,59
